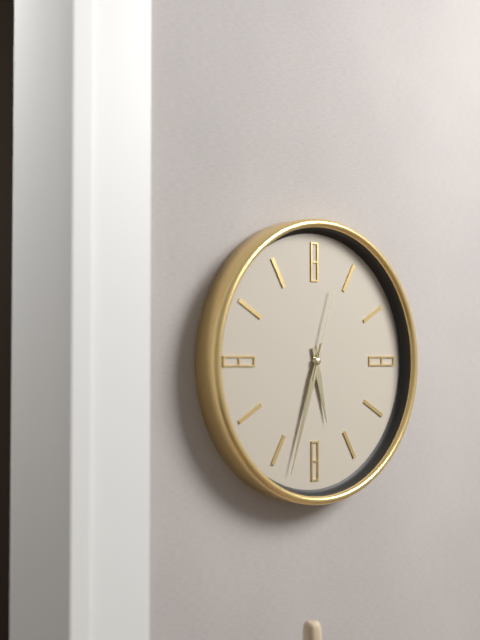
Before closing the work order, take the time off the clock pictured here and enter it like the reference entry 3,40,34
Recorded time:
5,33,03
